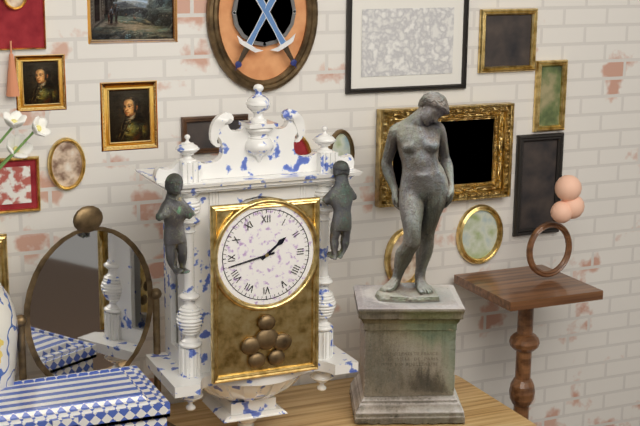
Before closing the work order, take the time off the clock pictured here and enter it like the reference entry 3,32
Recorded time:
1,43
